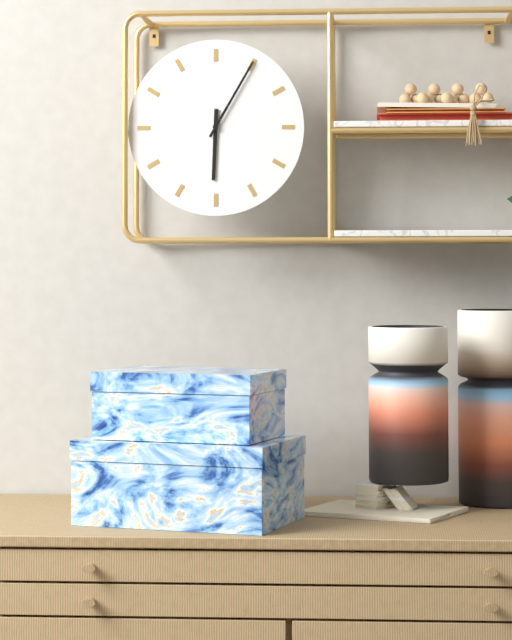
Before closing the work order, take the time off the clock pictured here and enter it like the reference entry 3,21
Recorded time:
6,05
